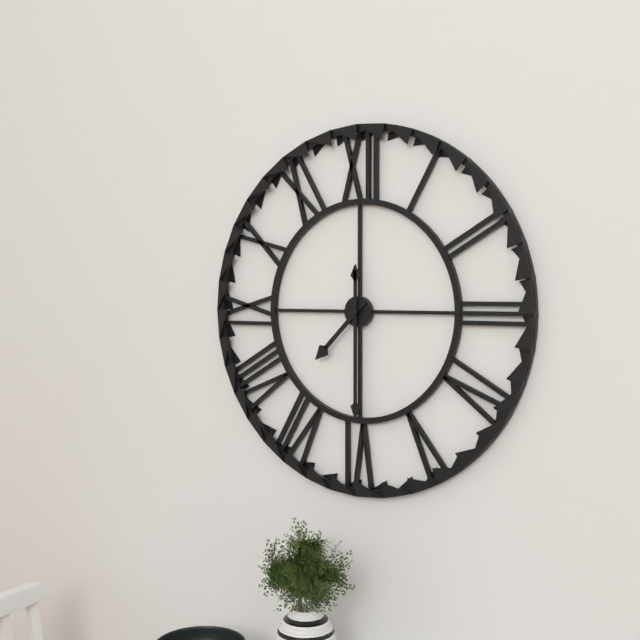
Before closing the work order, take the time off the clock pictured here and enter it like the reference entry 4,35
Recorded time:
7,30
